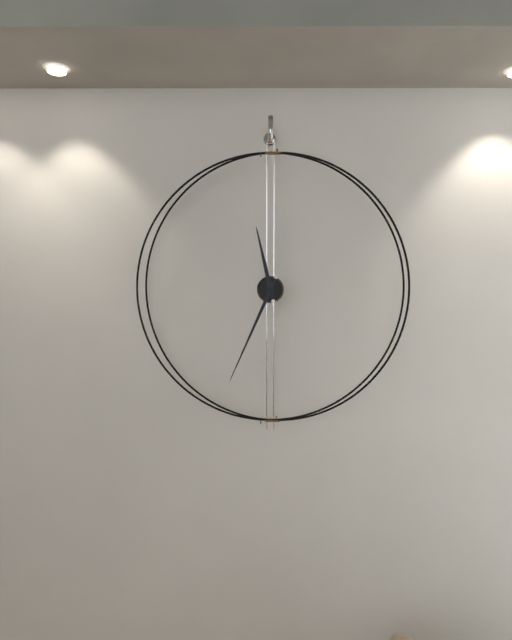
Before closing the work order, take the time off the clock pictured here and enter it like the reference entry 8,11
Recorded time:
11,34
